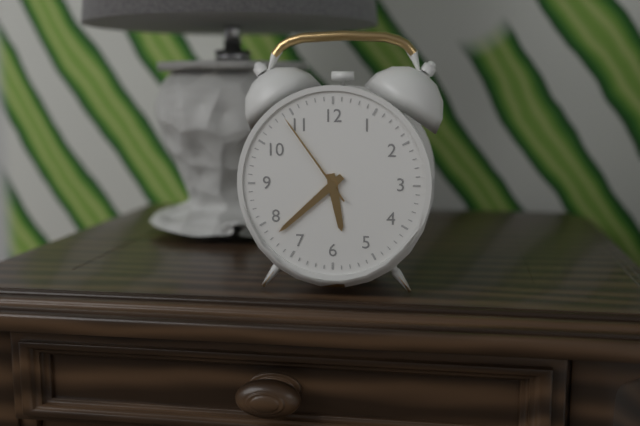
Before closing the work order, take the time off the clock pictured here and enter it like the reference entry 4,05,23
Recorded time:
5,38,54
